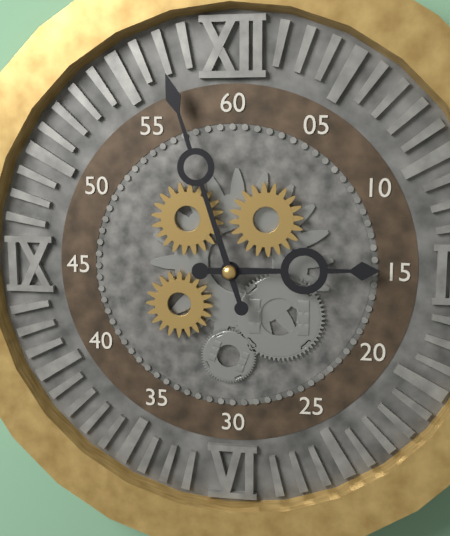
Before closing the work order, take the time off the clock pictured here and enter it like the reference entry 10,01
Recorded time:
2,57
